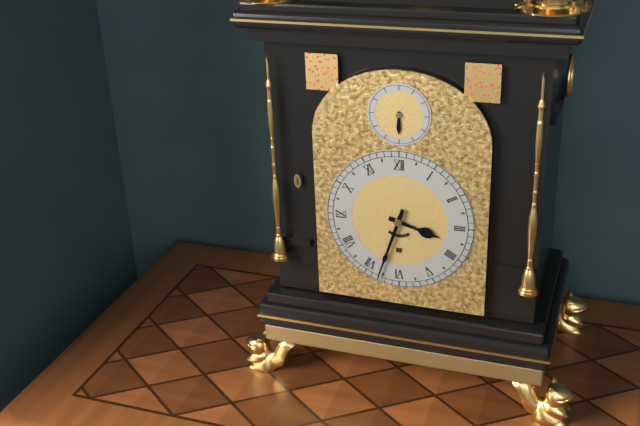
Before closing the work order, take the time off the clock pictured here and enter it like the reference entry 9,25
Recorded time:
3,33
